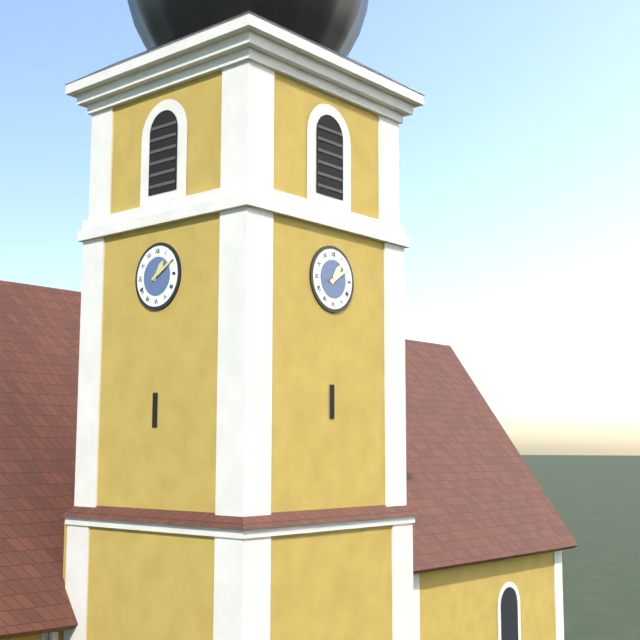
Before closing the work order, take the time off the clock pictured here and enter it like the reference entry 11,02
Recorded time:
1,10
